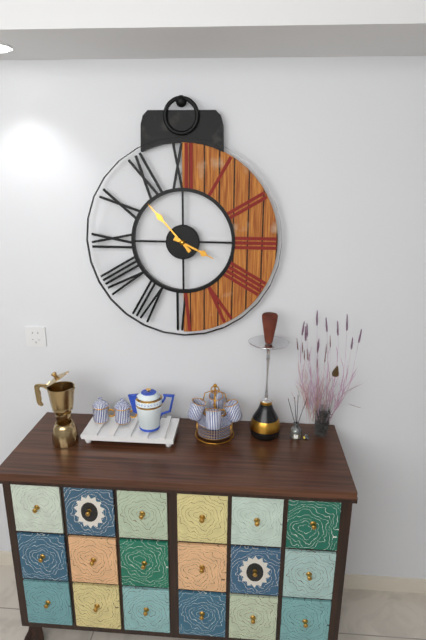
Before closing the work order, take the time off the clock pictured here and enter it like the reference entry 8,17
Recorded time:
3,53
